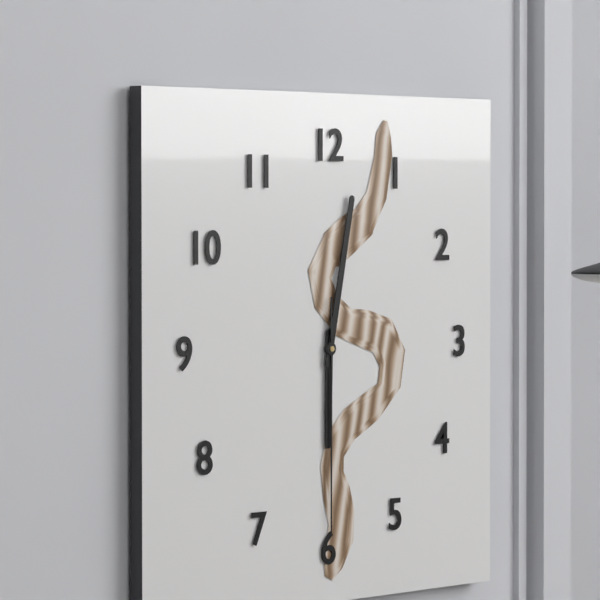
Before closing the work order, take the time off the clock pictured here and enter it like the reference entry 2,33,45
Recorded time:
6,02,30
